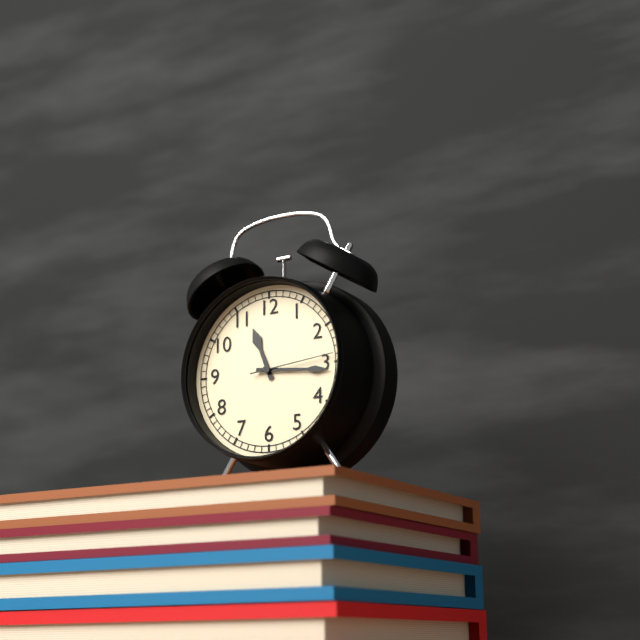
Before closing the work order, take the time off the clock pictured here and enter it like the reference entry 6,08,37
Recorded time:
11,16,14
